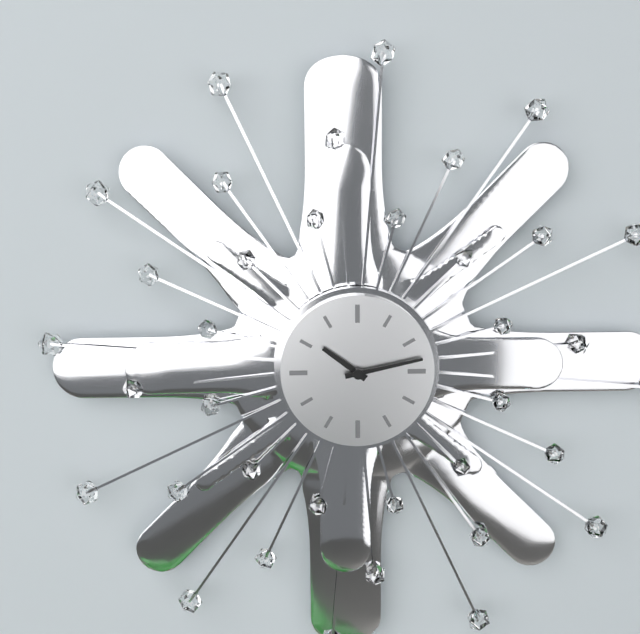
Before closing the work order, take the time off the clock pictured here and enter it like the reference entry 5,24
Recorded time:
10,13
